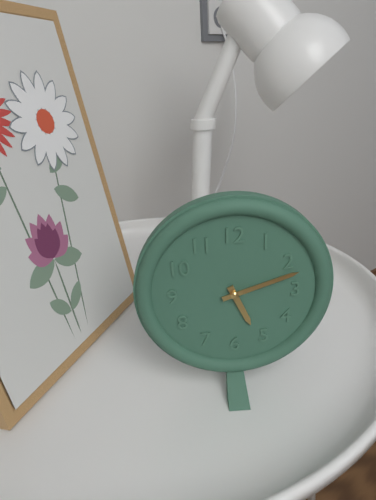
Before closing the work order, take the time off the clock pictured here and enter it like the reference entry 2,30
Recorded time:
5,12
